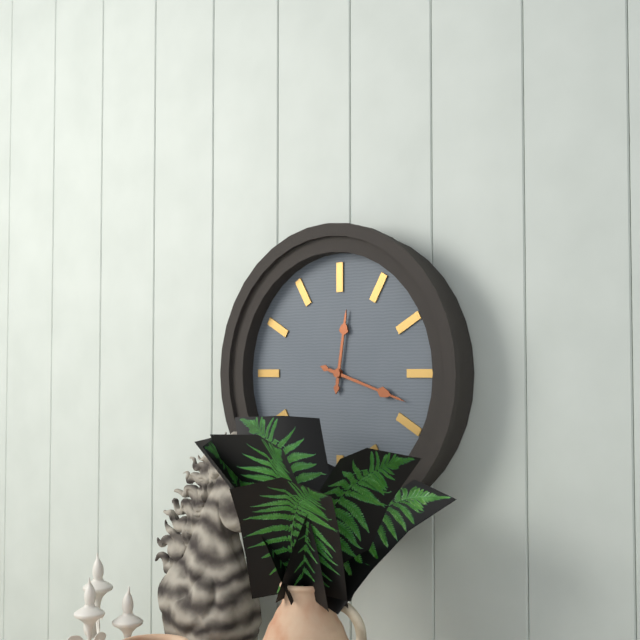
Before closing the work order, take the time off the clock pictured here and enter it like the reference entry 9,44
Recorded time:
12,18
